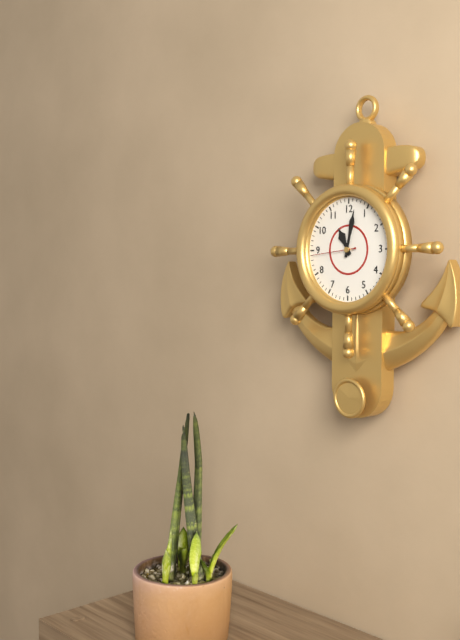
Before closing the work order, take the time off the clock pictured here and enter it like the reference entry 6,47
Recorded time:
11,02
